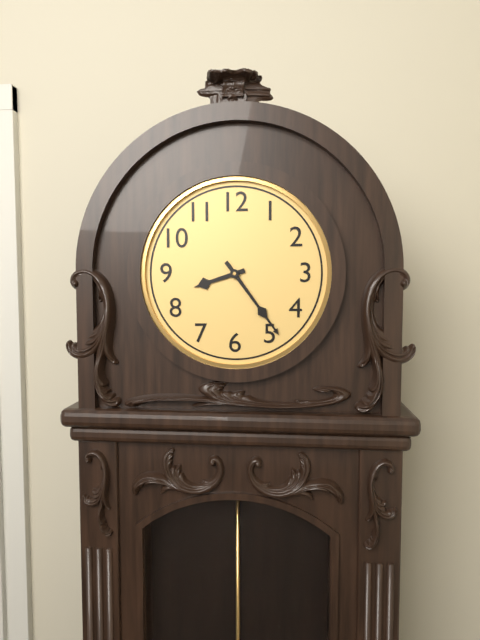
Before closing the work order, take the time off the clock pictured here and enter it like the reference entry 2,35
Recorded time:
8,24
